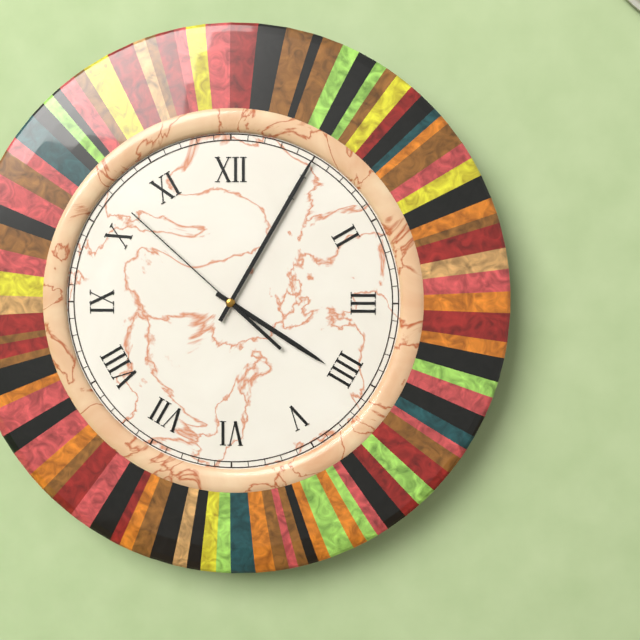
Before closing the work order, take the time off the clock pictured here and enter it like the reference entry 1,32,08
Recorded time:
4,05,52
